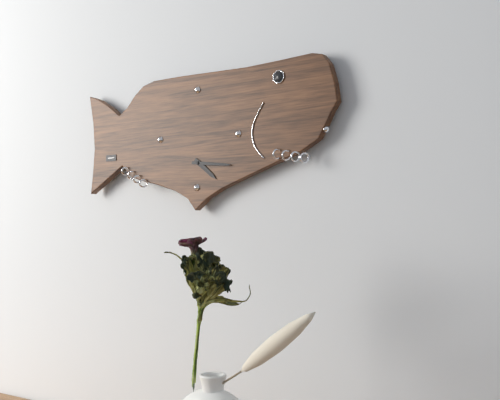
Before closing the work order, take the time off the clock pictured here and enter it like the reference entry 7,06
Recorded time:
4,16
